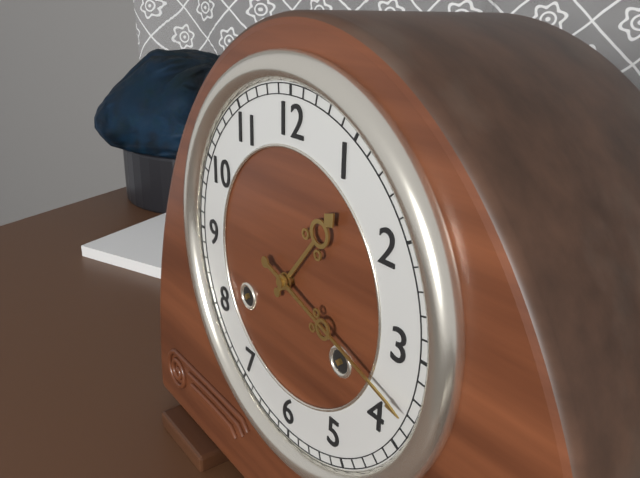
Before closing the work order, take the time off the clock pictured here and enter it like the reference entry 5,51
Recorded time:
1,18
